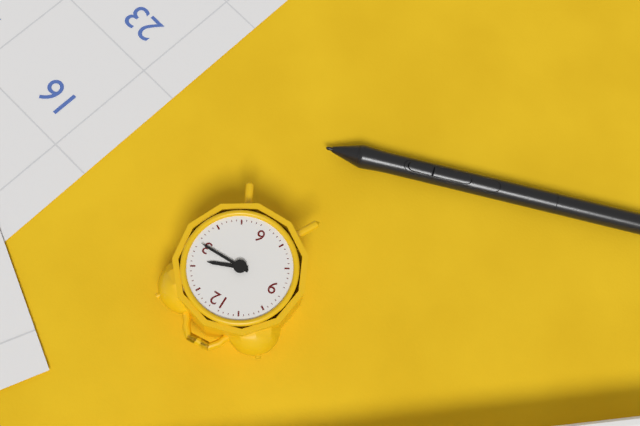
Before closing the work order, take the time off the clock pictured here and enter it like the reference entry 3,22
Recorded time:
2,15
